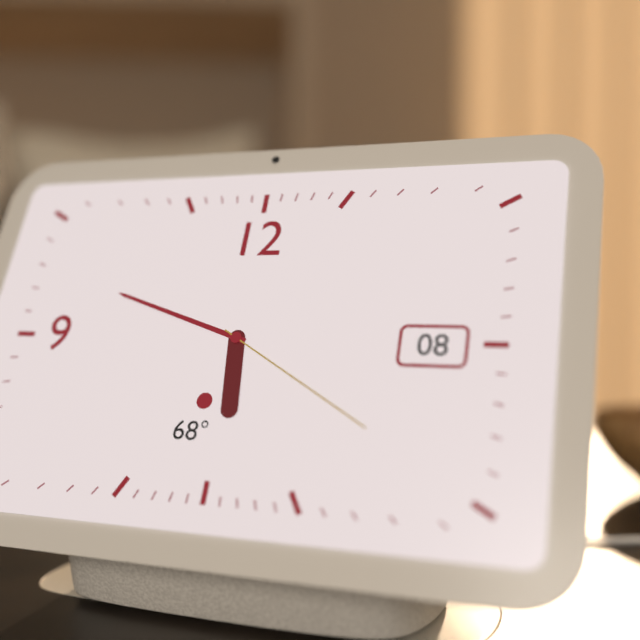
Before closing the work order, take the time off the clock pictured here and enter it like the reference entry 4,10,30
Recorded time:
5,48,20
